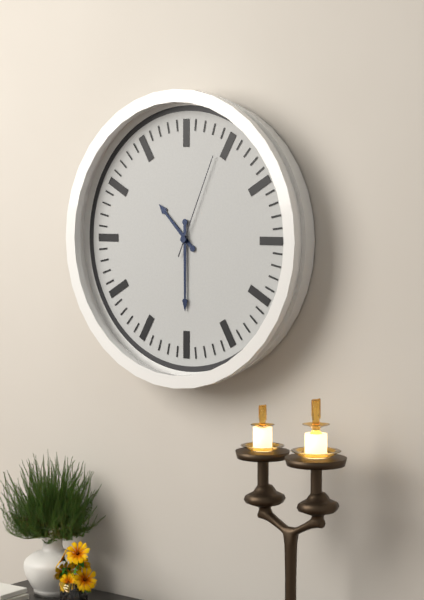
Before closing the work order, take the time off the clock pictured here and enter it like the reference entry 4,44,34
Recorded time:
10,30,04
